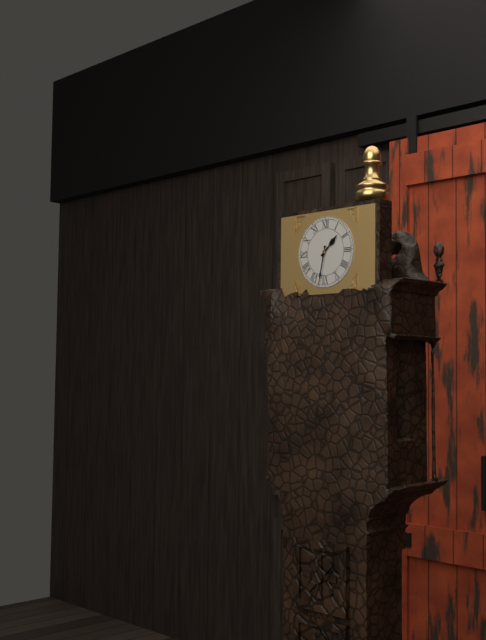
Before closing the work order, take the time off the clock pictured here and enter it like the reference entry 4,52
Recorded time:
1,32
